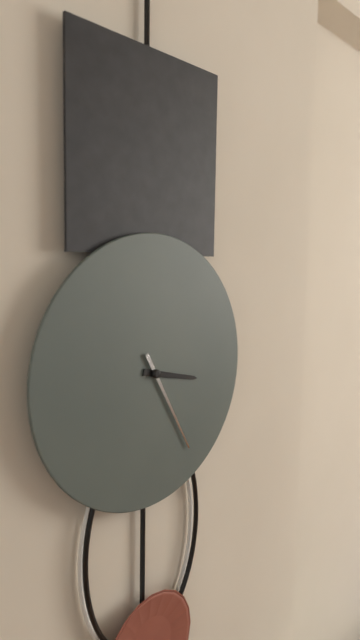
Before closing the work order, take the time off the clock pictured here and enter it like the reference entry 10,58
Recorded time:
3,25
